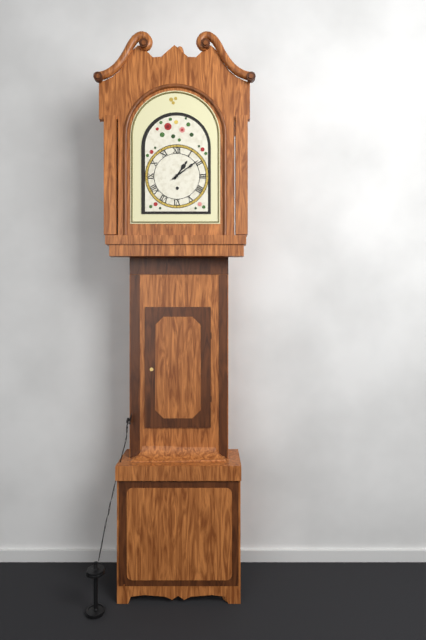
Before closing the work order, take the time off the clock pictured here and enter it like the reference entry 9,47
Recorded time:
1,09
